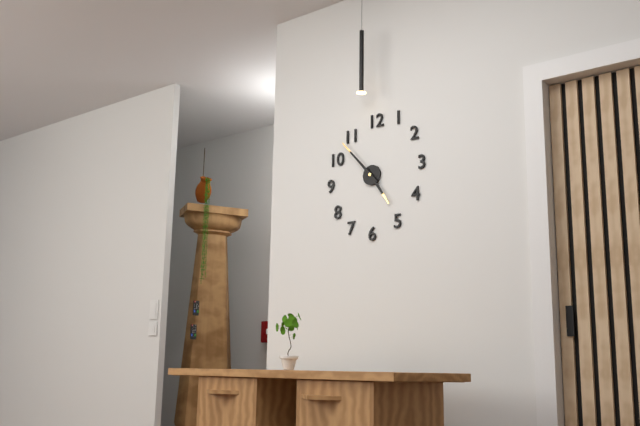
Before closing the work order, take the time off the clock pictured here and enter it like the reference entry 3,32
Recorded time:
4,53
